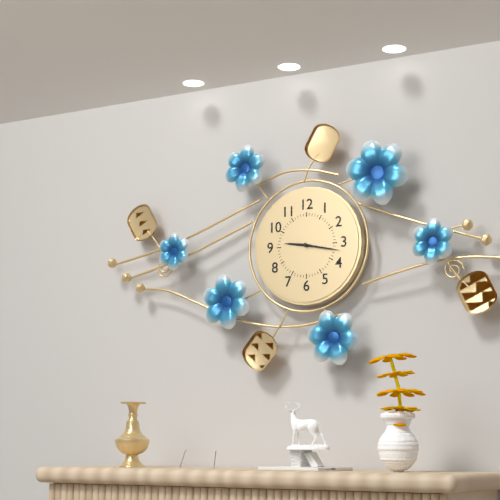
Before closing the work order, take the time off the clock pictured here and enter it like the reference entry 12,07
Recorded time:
9,17
